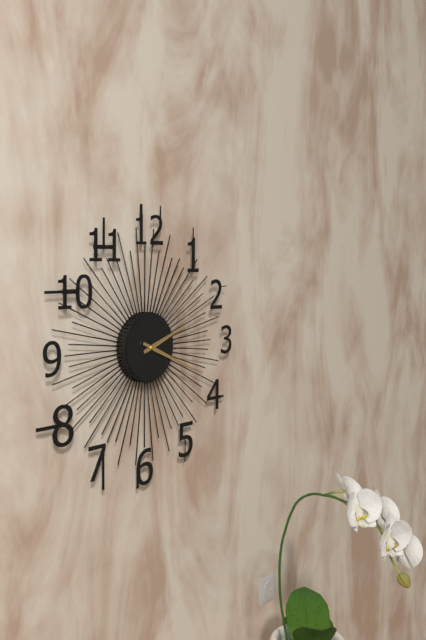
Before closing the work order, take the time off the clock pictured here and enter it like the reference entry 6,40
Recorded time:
2,19
